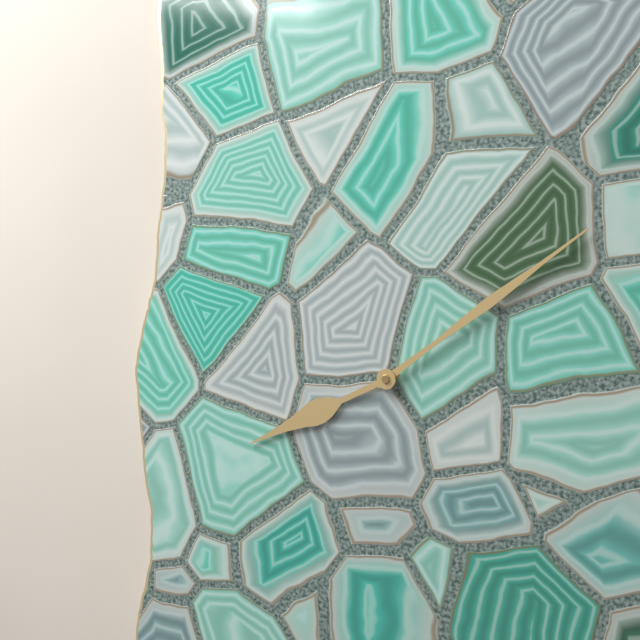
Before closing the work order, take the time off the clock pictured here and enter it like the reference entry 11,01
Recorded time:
8,09
